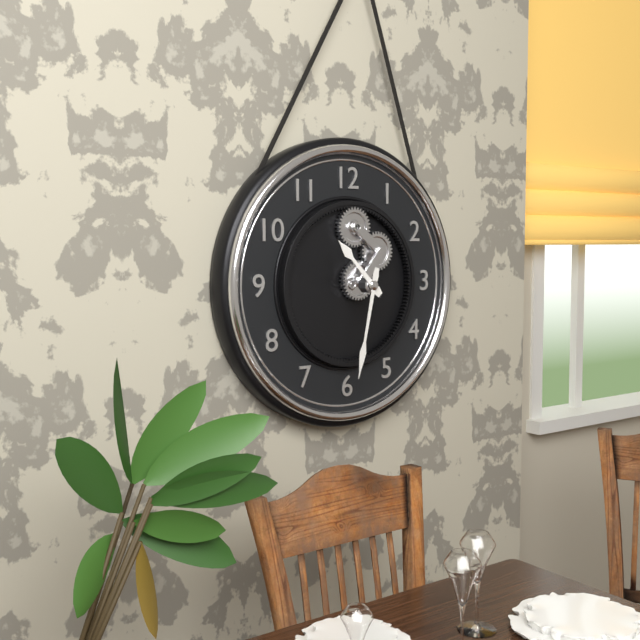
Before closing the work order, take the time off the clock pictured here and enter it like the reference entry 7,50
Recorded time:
10,32
